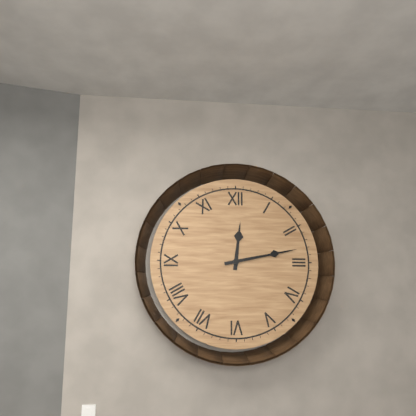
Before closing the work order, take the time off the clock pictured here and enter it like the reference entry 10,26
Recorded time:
12,13
